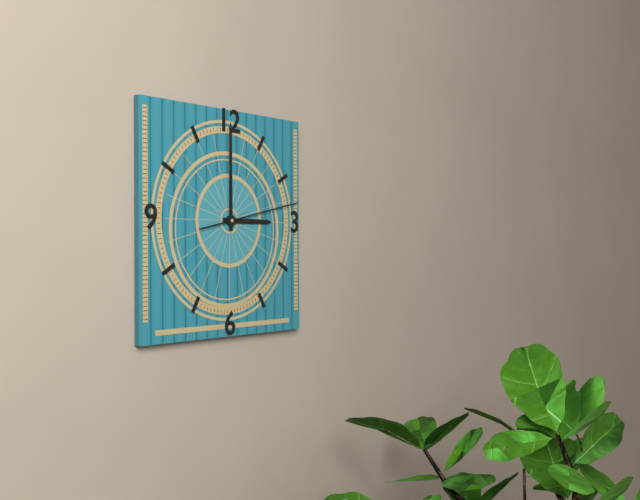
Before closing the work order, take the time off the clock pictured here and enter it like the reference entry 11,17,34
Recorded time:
3,00,13
